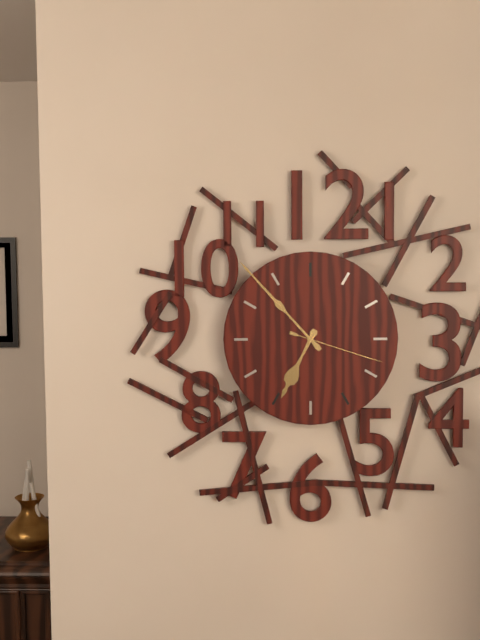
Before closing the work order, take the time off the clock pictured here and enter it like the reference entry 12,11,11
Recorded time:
6,53,18
